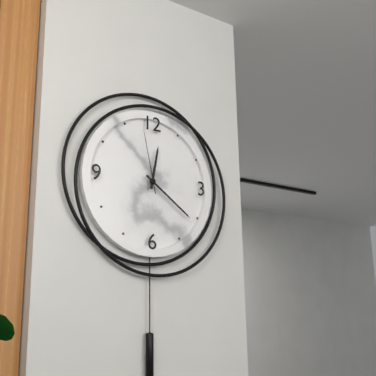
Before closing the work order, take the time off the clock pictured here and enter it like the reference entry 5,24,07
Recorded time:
12,21,58
